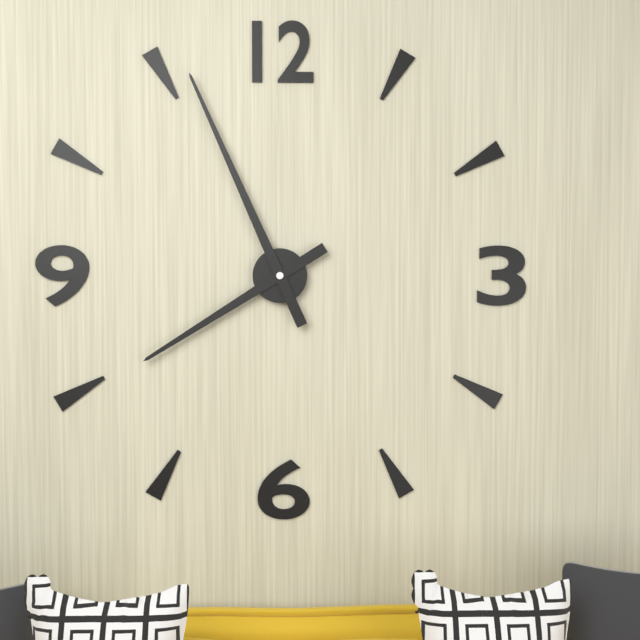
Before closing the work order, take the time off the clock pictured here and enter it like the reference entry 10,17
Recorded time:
7,56
